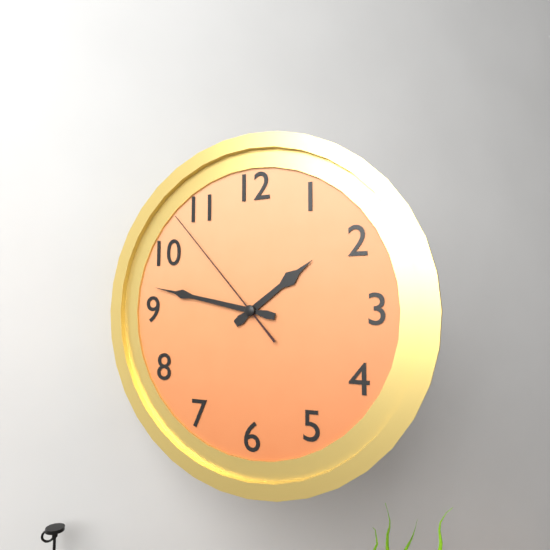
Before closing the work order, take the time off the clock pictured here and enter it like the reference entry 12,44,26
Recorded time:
1,47,53
